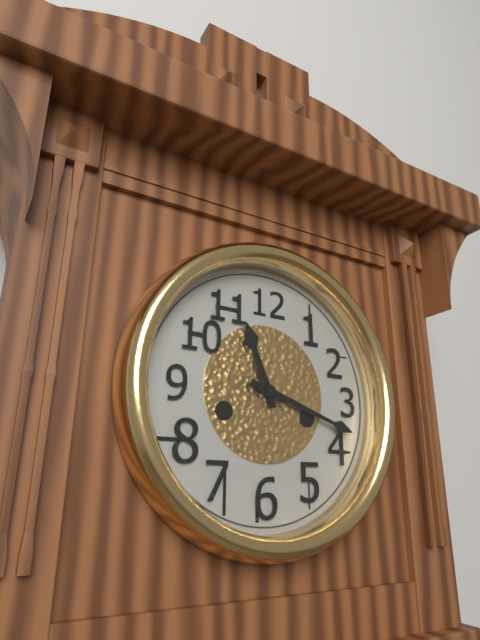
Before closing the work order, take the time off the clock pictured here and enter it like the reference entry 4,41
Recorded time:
11,18
